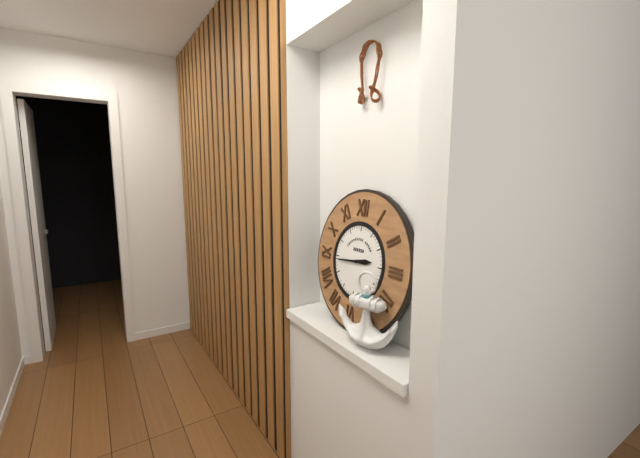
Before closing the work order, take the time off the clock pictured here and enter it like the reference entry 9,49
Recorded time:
2,44
